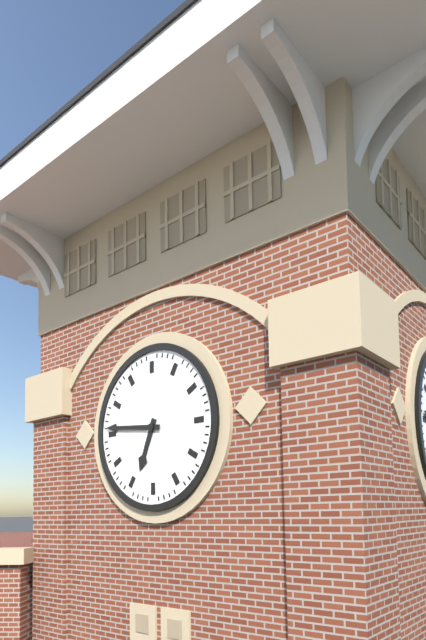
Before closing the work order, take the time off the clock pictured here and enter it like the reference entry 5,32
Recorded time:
6,46
